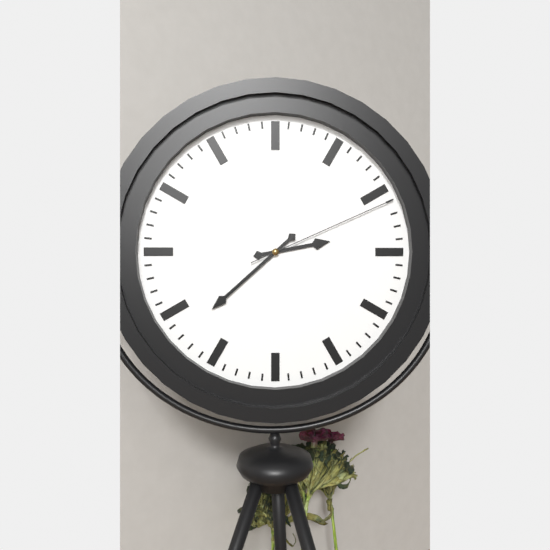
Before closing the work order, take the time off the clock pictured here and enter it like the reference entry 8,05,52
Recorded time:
2,38,11
